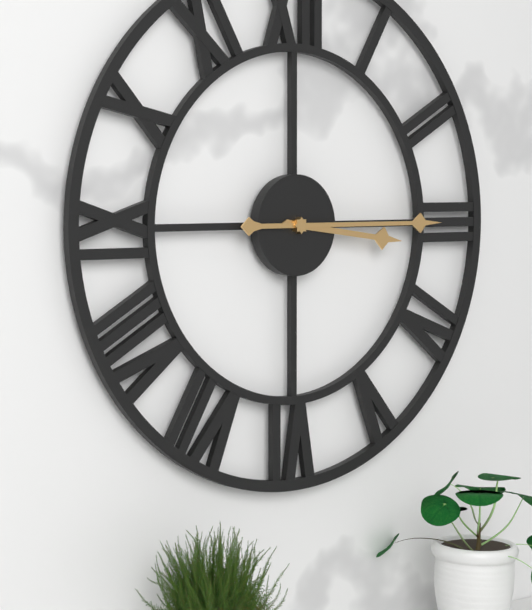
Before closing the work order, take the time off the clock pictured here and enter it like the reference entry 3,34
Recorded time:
3,15
